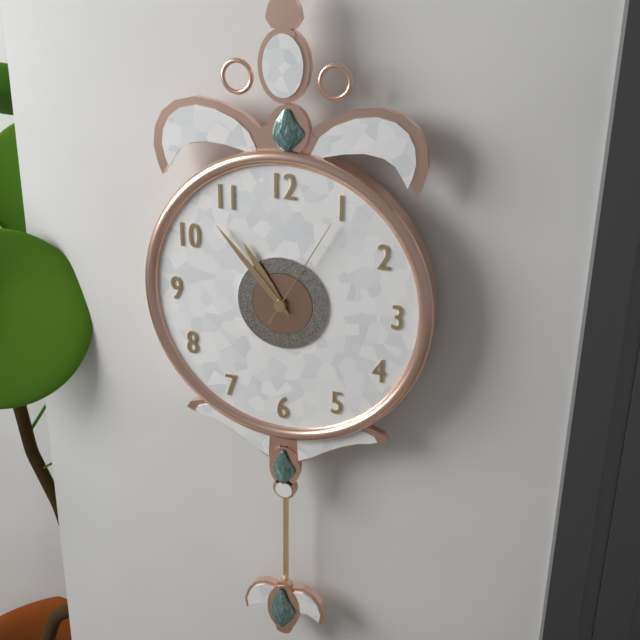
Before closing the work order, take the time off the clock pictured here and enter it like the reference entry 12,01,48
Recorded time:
10,53,05
